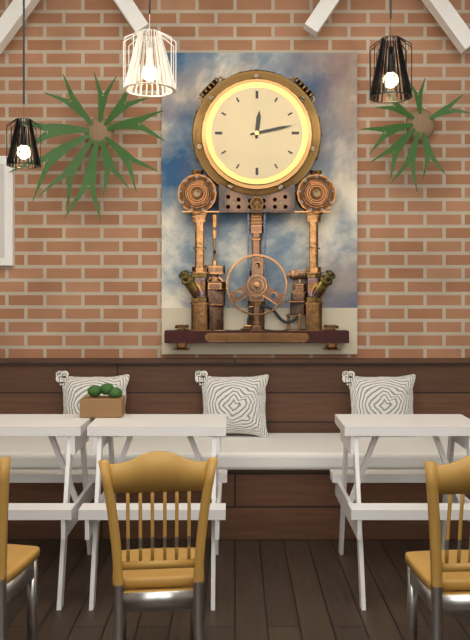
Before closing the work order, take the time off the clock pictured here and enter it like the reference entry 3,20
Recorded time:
12,13
